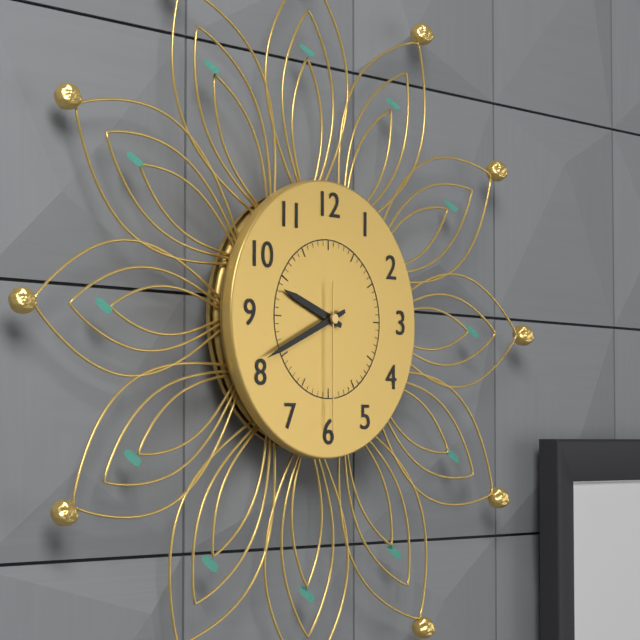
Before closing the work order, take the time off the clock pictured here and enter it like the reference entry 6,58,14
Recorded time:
9,41,30
